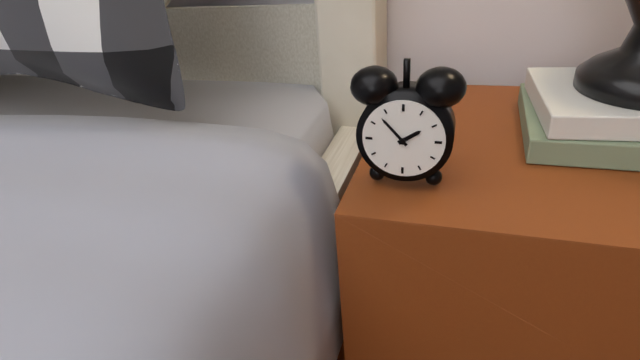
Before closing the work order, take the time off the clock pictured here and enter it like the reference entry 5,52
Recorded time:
1,53
